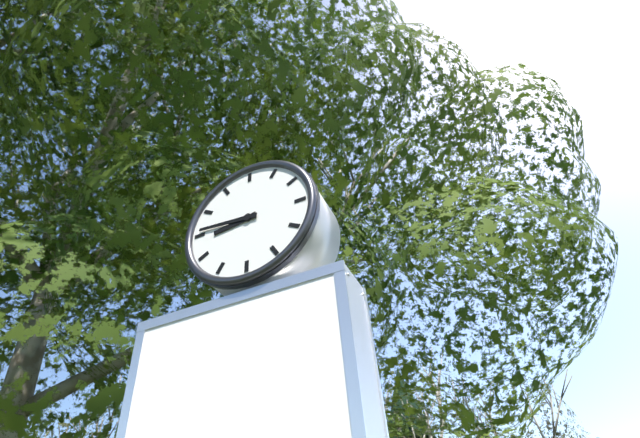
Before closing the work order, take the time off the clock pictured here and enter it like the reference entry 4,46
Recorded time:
8,46
